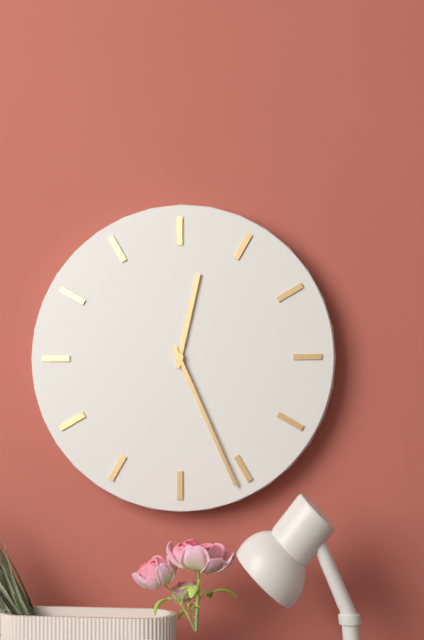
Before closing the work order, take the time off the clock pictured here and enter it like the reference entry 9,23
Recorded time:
12,26
